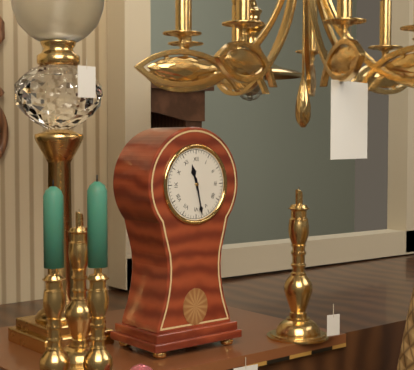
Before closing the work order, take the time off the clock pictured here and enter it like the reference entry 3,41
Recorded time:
11,28
